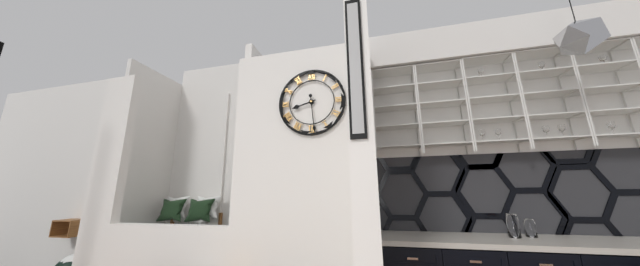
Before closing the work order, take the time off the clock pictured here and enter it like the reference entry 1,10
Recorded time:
8,29
